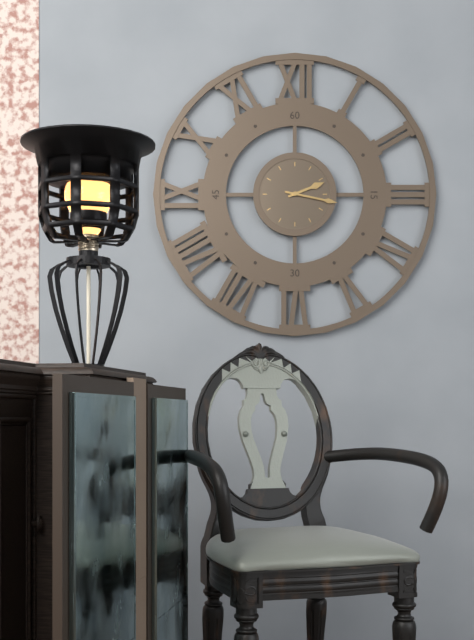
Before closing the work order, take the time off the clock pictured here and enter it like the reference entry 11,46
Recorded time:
2,17
